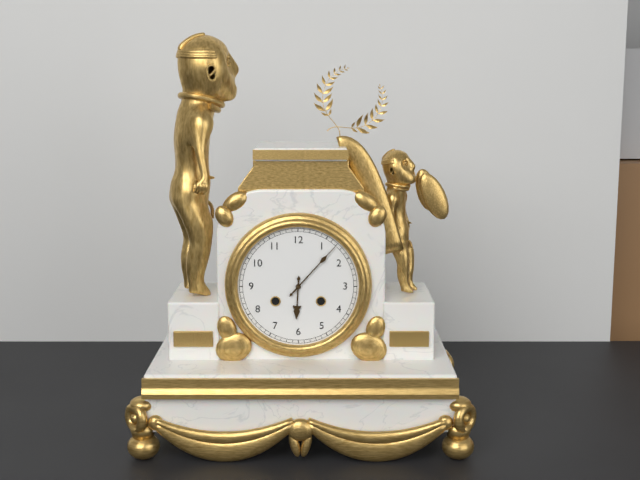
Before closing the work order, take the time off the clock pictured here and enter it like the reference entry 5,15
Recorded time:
6,07
